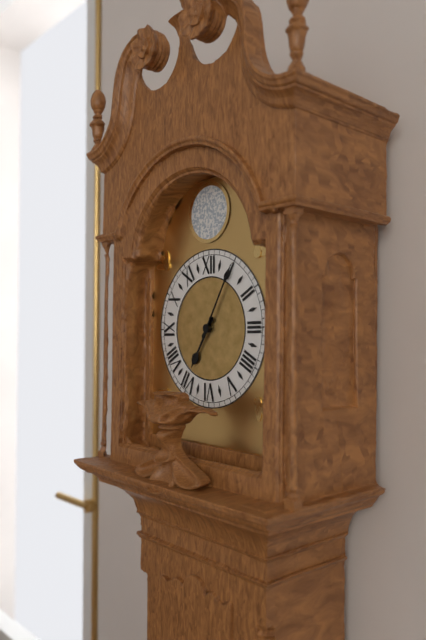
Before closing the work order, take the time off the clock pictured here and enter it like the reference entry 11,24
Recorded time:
7,05
